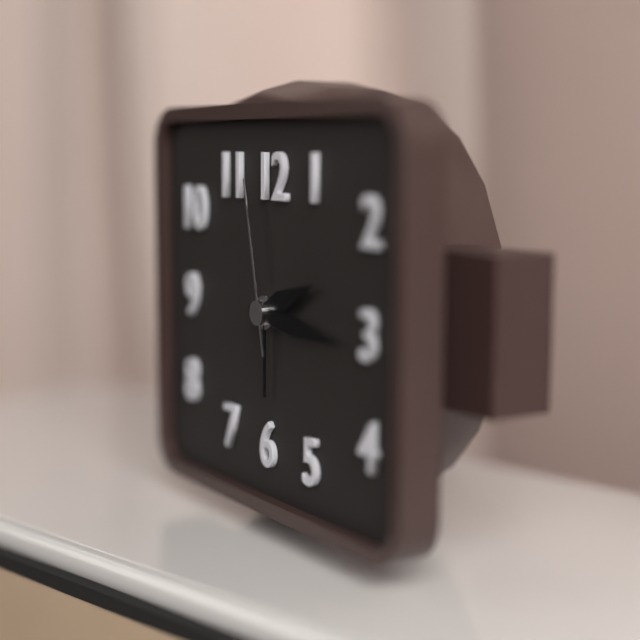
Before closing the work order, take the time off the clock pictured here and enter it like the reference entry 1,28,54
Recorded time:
2,16,58
